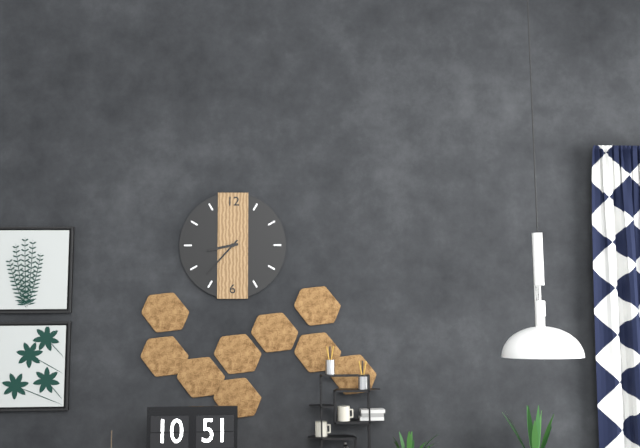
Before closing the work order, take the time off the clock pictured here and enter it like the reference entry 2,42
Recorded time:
8,37
